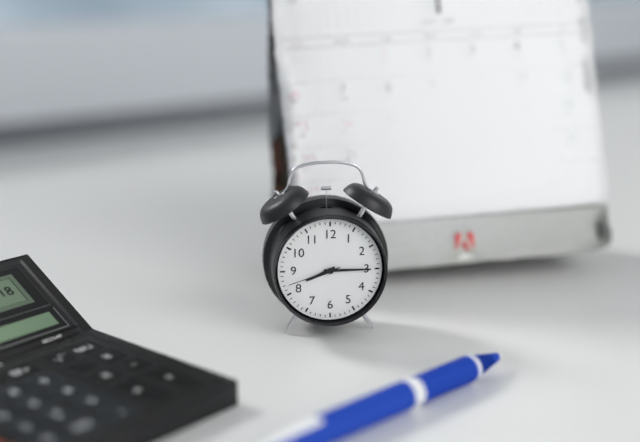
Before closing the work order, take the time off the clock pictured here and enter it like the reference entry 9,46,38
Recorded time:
8,15,42
